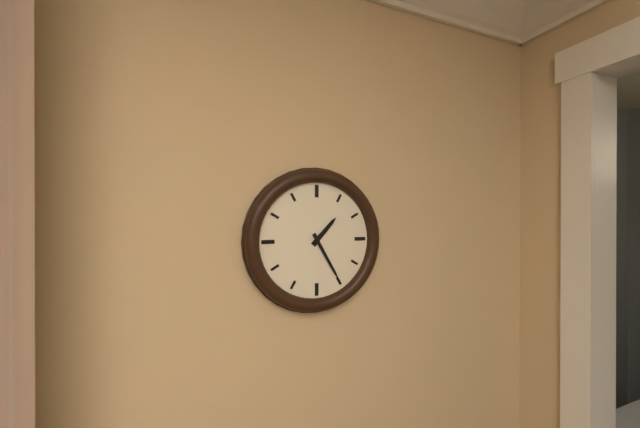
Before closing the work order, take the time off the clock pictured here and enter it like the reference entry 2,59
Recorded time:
1,25
